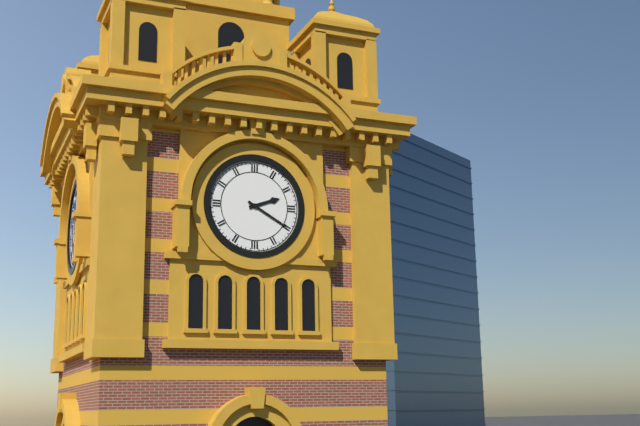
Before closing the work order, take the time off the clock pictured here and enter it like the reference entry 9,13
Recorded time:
2,20
